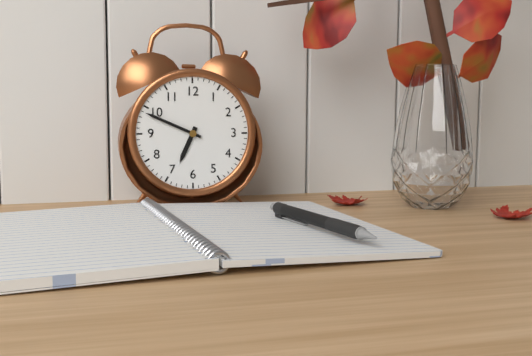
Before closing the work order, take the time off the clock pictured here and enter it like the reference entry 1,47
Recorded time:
6,49
